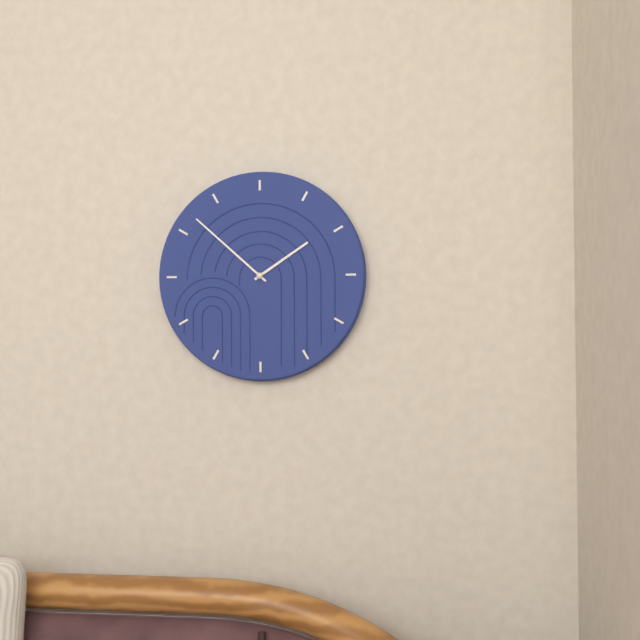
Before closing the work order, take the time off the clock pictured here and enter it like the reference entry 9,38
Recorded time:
1,52
